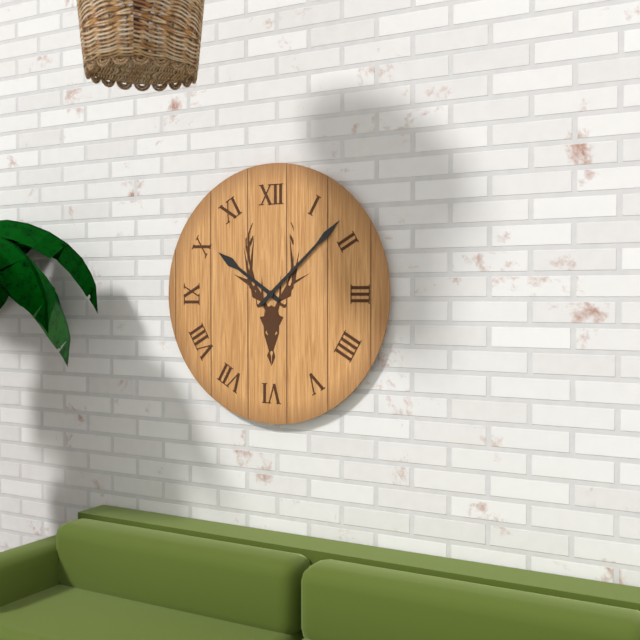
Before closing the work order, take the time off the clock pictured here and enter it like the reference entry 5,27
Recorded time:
10,08
